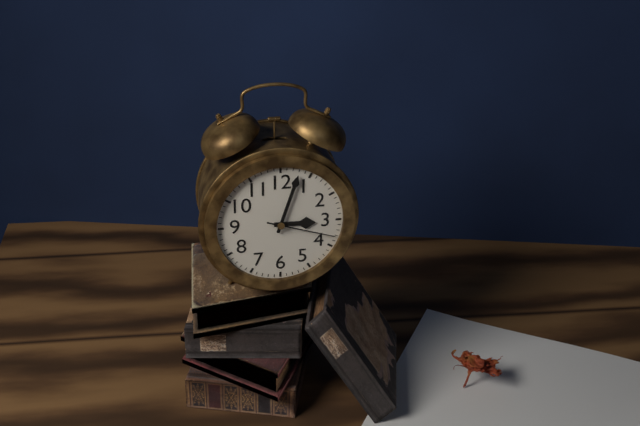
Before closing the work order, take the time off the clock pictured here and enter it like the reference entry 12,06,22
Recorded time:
3,03,18
